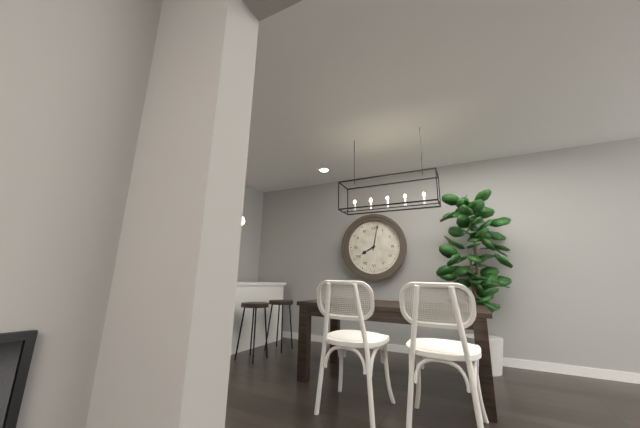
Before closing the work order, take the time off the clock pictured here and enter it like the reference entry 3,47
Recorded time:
8,02
